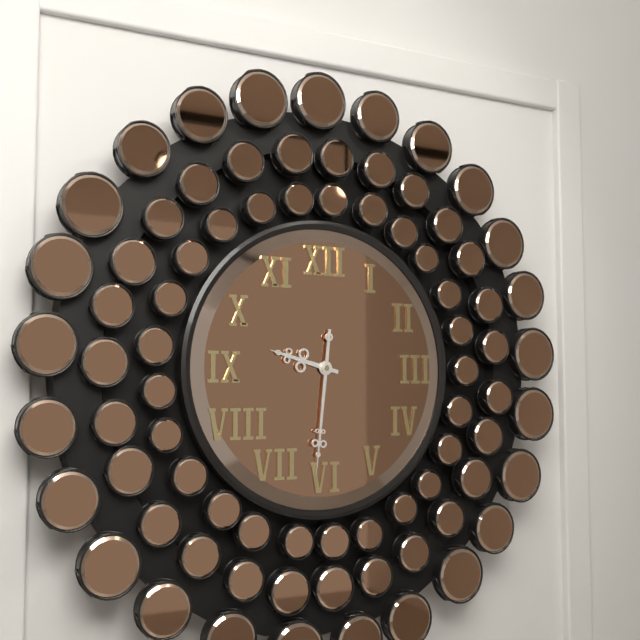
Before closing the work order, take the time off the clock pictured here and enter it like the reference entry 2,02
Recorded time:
9,31
